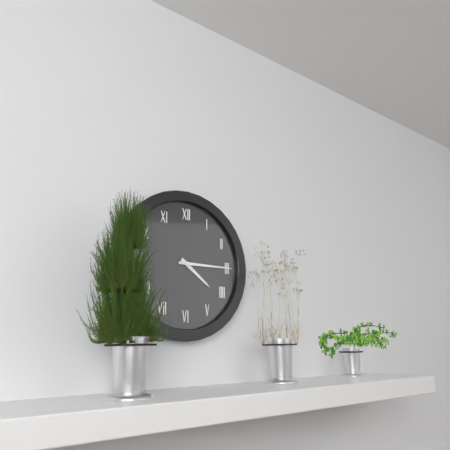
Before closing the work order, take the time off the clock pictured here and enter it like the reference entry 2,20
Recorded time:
4,15
